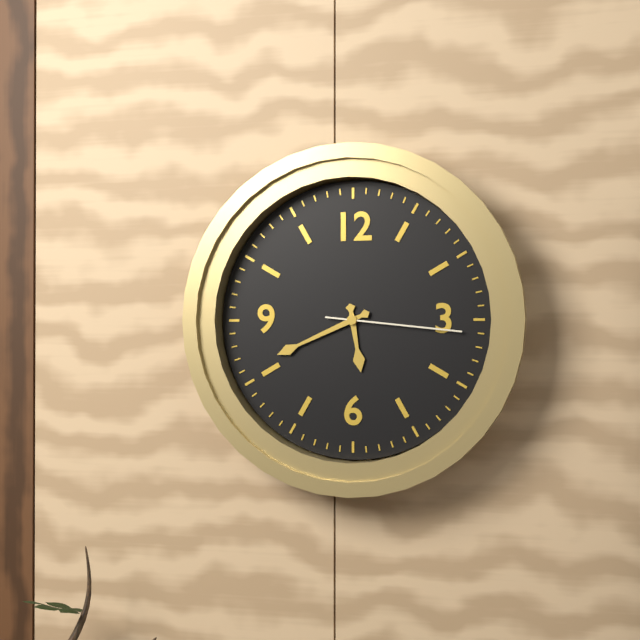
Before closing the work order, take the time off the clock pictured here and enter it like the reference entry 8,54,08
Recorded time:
5,41,16
